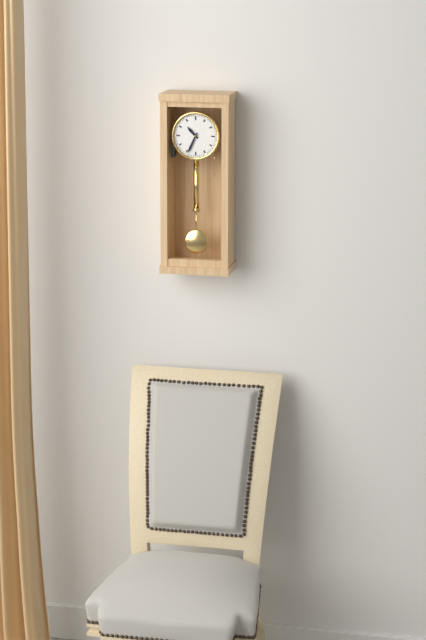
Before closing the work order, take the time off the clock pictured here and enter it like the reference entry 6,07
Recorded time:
10,34
